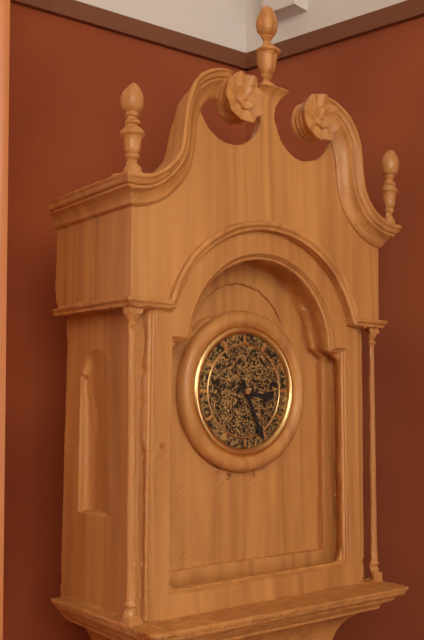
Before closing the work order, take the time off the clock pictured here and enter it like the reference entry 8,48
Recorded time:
3,26
